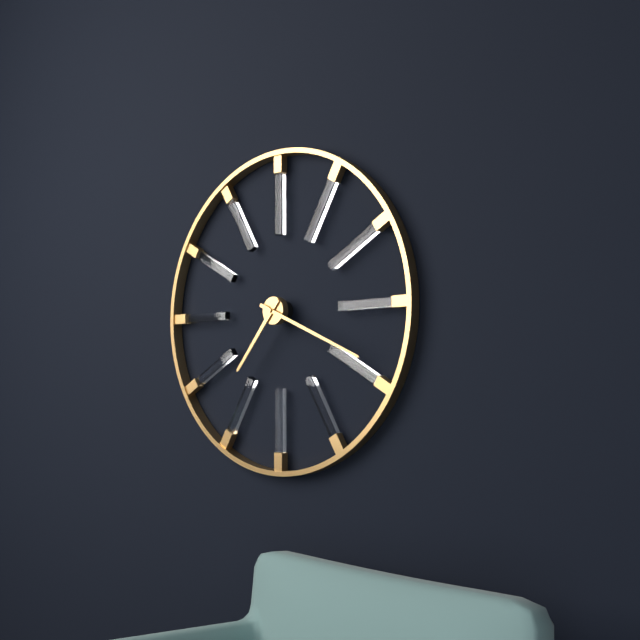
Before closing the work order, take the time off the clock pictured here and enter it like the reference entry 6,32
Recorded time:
7,19
